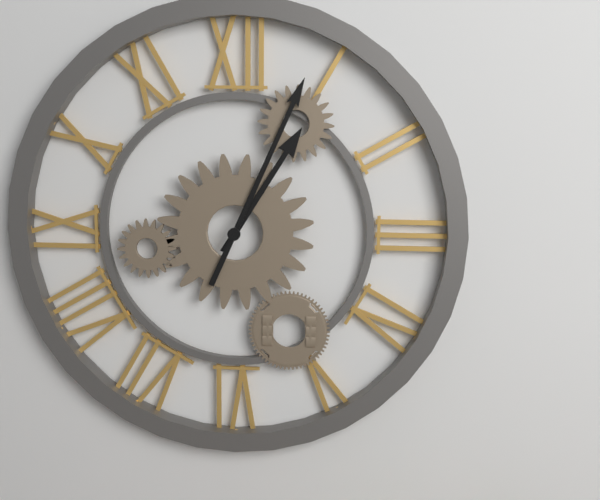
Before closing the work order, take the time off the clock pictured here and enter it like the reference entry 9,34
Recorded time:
1,04
